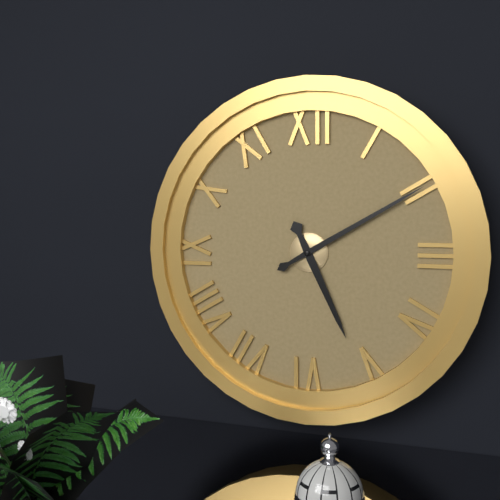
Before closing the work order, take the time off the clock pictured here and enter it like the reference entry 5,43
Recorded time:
5,10
